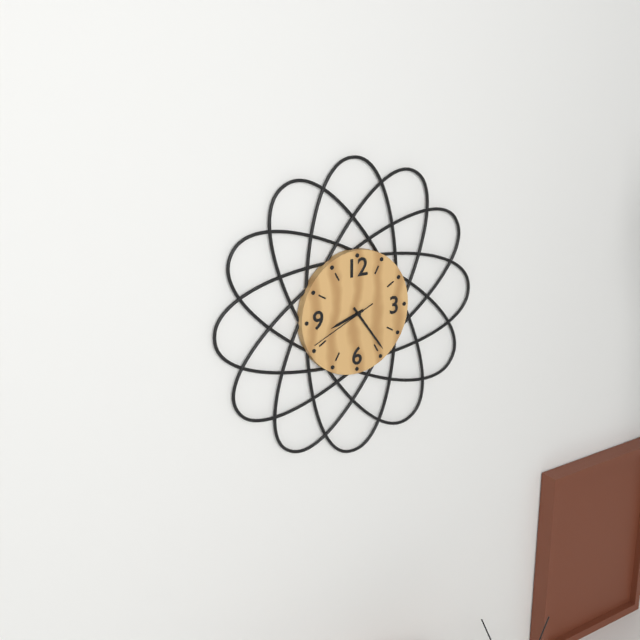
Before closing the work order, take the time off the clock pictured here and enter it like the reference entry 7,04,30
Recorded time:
8,24,41
